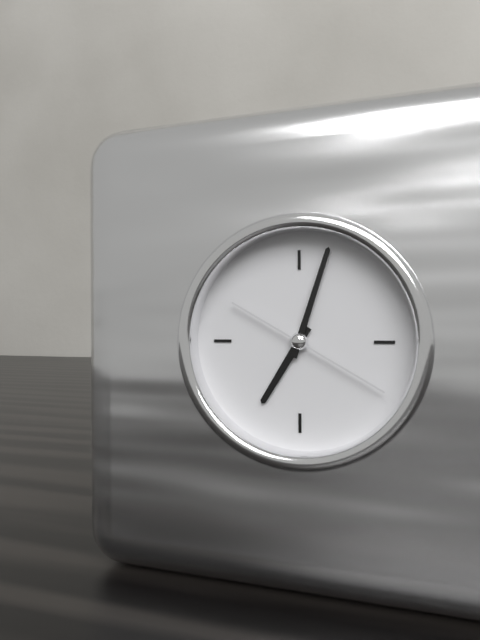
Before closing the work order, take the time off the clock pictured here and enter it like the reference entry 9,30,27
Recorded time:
7,03,20
